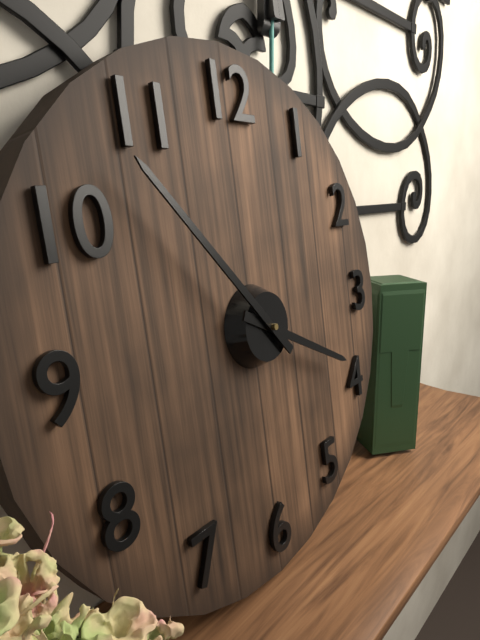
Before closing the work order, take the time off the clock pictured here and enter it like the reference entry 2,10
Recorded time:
3,53
